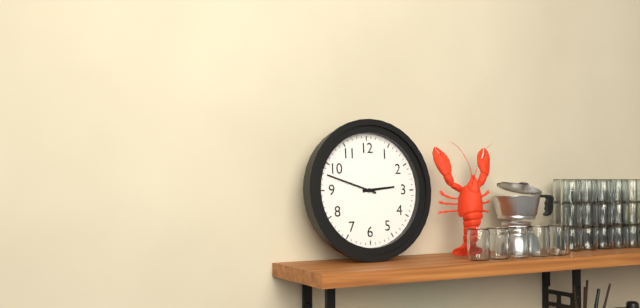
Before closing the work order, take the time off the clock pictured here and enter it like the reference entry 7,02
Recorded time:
2,48
